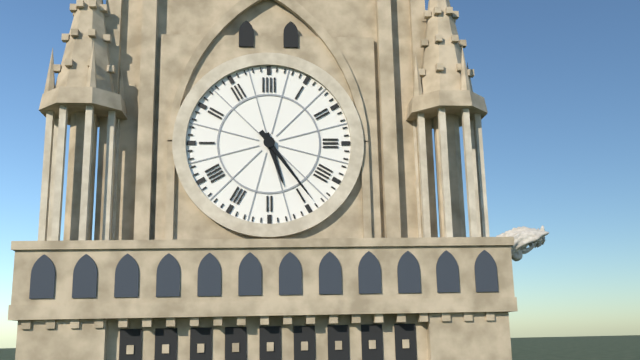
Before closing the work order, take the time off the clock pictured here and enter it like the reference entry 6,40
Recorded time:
5,24
